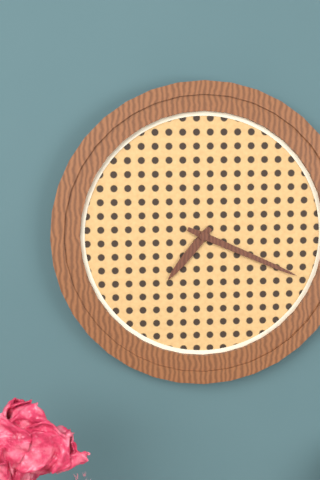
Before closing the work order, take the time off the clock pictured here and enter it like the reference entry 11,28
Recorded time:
7,19
